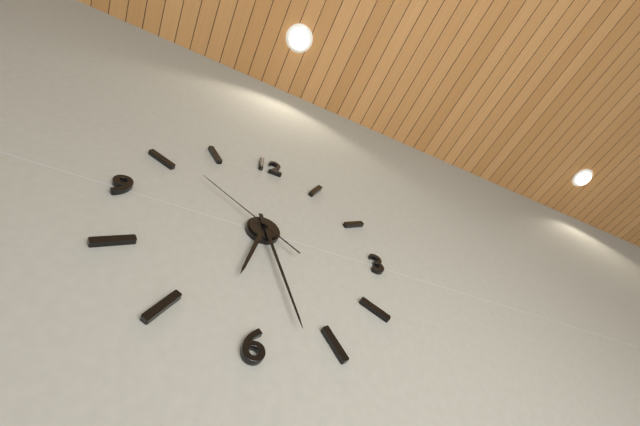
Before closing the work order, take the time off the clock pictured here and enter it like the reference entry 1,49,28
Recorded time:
6,27,51
